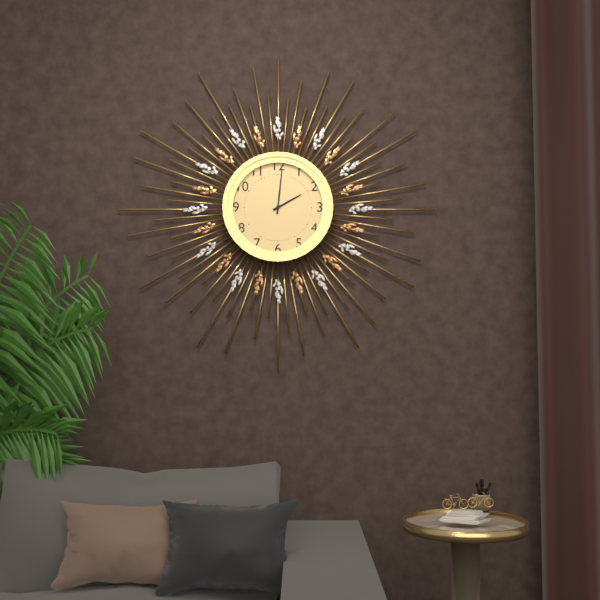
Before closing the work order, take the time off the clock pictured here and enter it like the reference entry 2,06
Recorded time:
2,01
